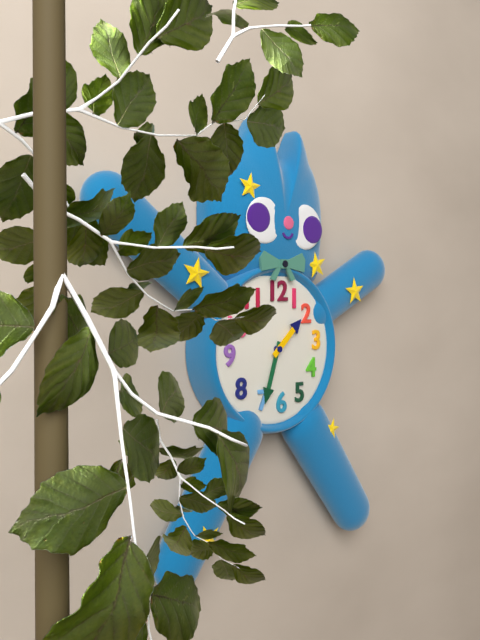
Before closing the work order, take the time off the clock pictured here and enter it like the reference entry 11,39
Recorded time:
1,33
